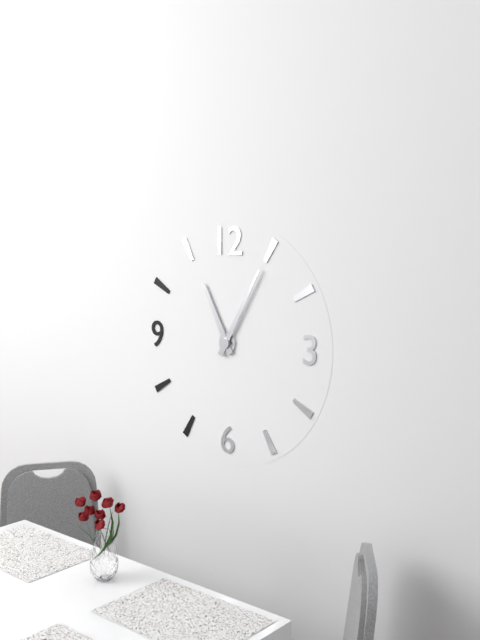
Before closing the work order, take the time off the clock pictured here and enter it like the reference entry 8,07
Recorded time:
11,05
